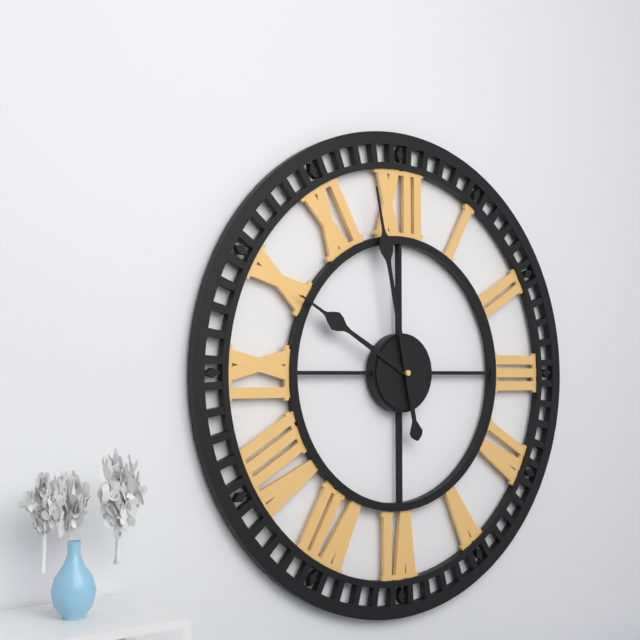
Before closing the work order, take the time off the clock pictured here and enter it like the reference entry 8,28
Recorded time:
9,58
